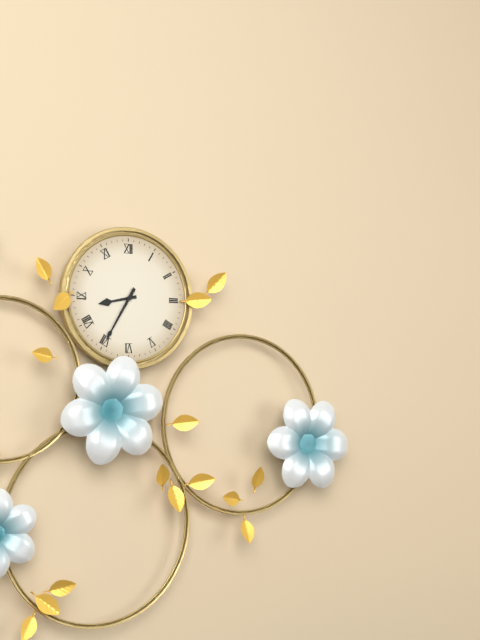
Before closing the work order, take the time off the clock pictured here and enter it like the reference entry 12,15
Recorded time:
8,35
